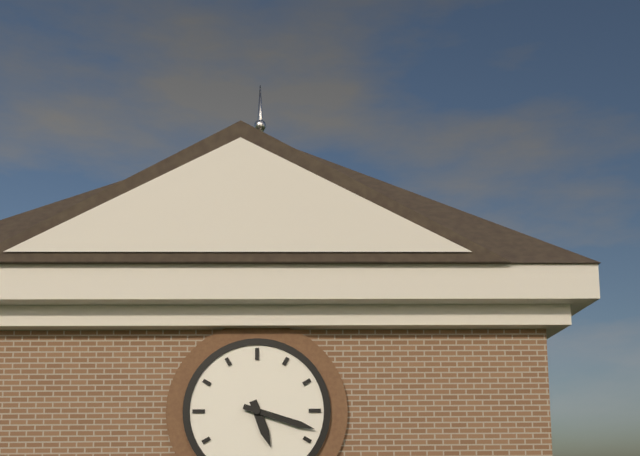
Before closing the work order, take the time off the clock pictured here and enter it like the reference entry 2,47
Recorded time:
5,18
